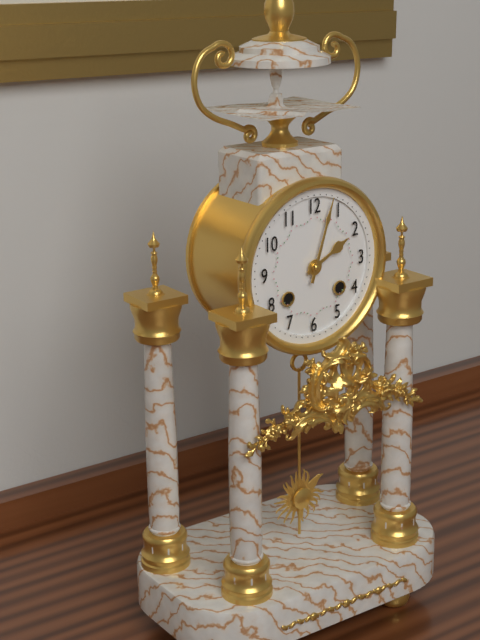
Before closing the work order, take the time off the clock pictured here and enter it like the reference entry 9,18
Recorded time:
2,03
